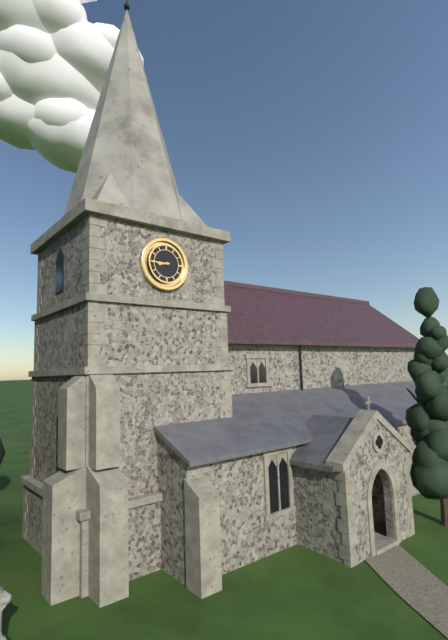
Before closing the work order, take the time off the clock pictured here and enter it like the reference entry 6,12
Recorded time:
8,45
